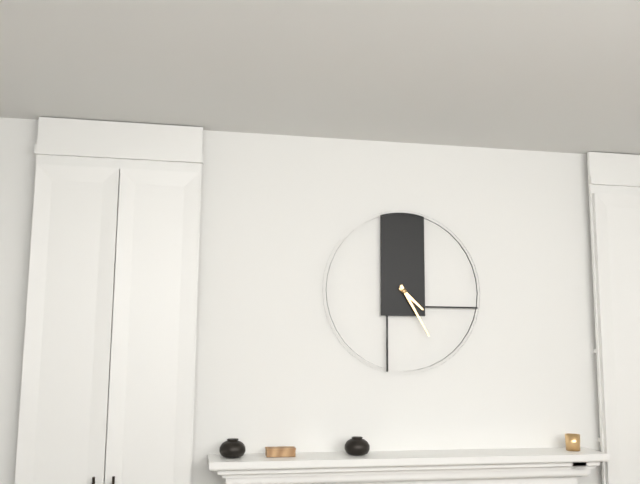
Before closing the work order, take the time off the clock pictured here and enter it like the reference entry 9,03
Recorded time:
4,25
